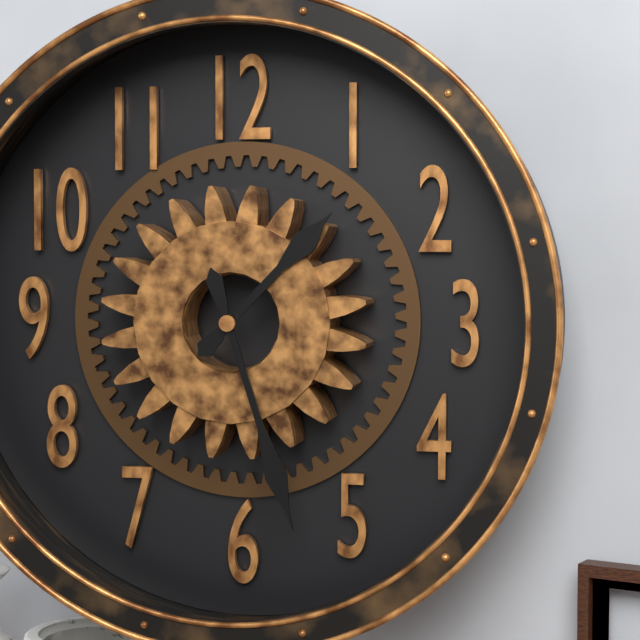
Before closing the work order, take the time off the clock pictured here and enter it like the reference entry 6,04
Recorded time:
1,27
